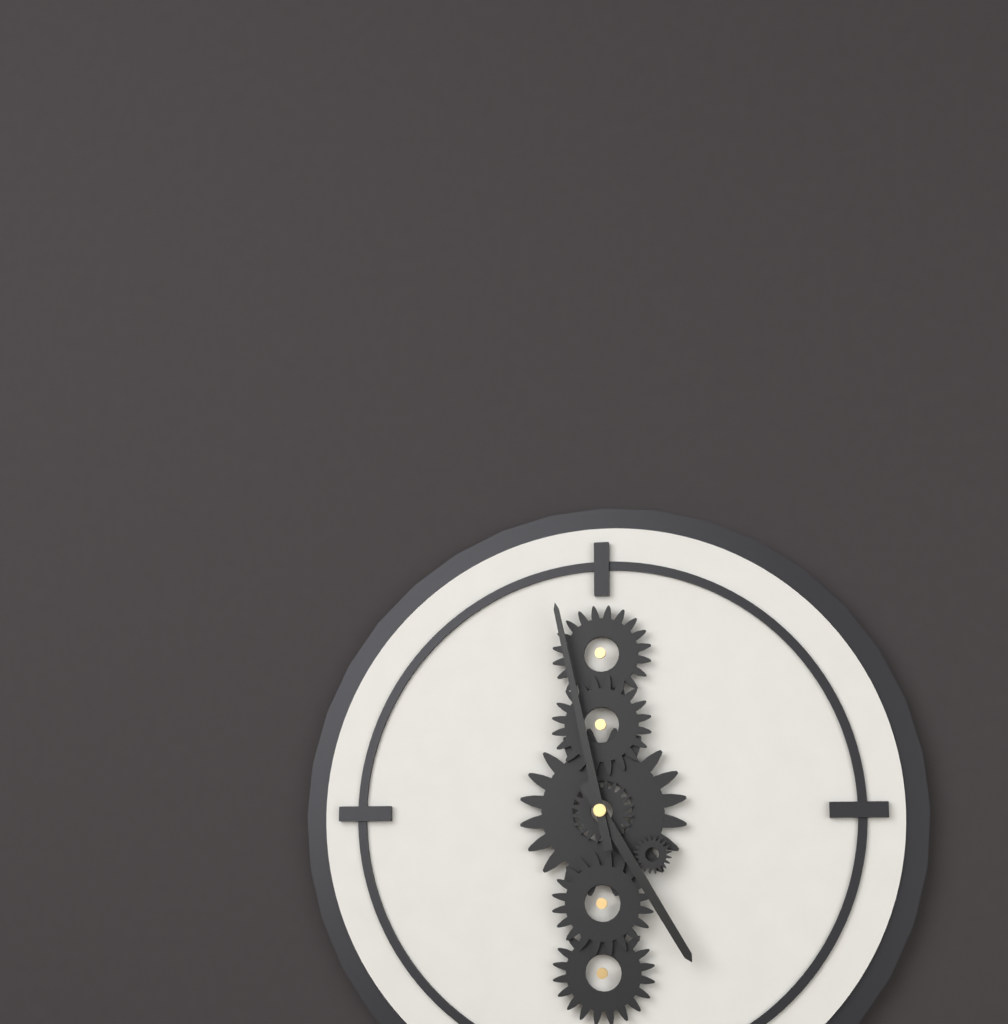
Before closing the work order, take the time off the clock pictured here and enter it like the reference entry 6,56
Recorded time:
4,58
